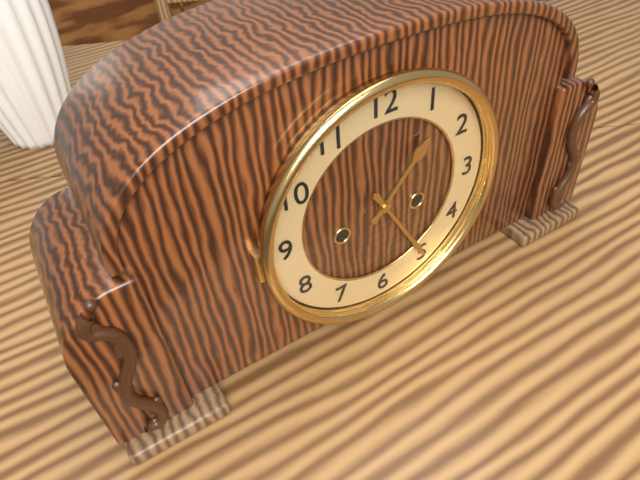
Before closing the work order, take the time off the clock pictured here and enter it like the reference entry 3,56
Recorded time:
1,25
